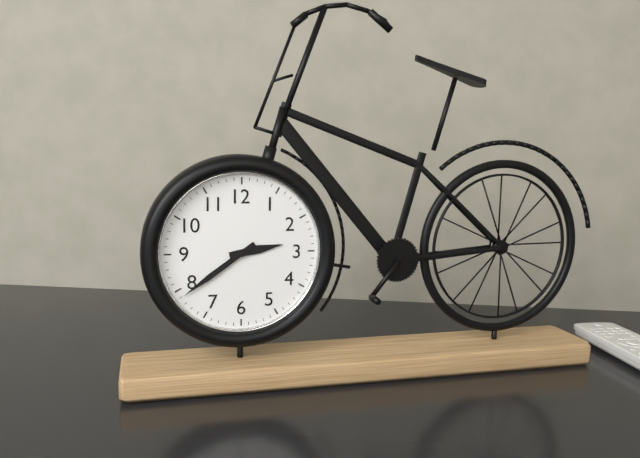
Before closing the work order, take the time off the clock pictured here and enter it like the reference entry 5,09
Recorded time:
2,39
